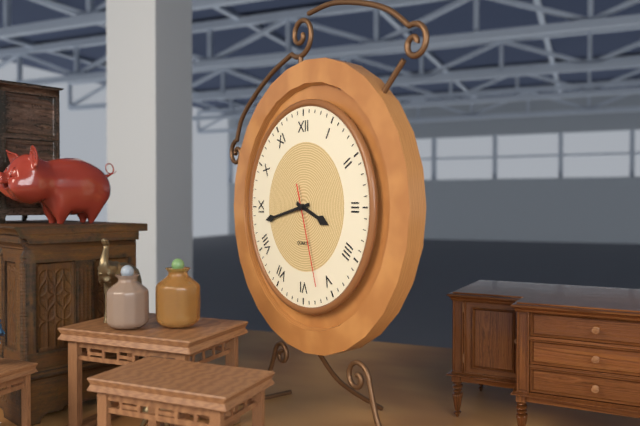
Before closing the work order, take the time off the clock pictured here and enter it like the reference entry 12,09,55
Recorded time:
3,43,27
